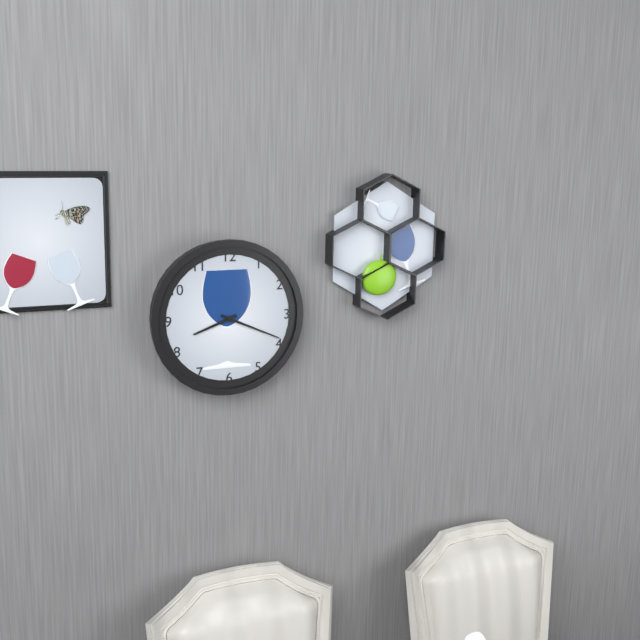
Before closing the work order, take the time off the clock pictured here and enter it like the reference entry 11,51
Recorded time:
8,19
